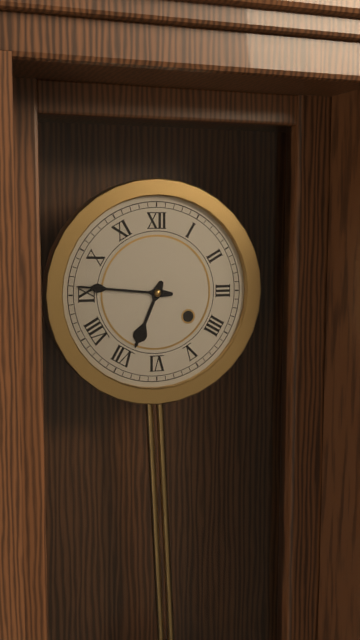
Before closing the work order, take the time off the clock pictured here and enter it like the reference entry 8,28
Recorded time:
6,46
